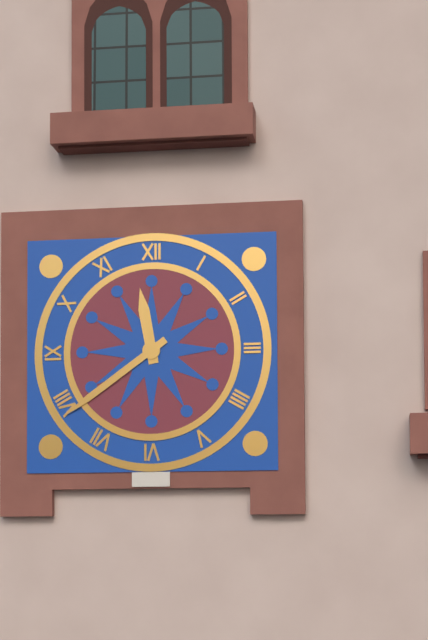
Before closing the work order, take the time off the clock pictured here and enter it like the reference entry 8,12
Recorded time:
11,39
